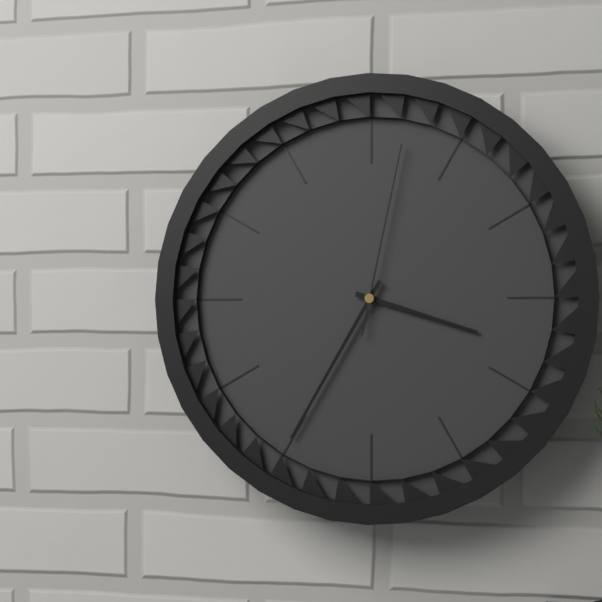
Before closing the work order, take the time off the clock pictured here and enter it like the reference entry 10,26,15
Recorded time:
3,35,02
